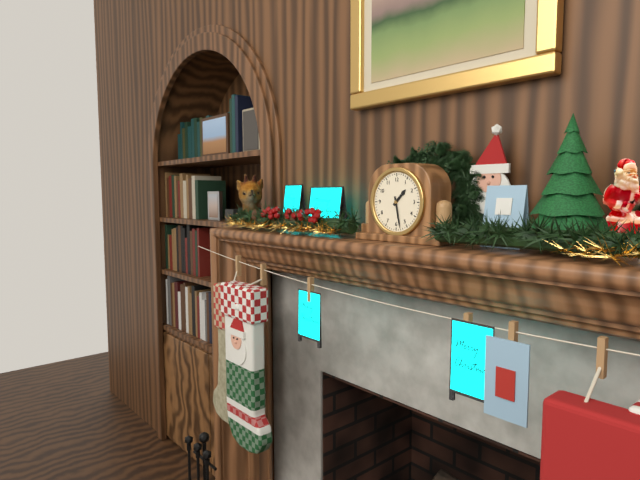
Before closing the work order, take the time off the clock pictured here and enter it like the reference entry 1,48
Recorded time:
1,28
